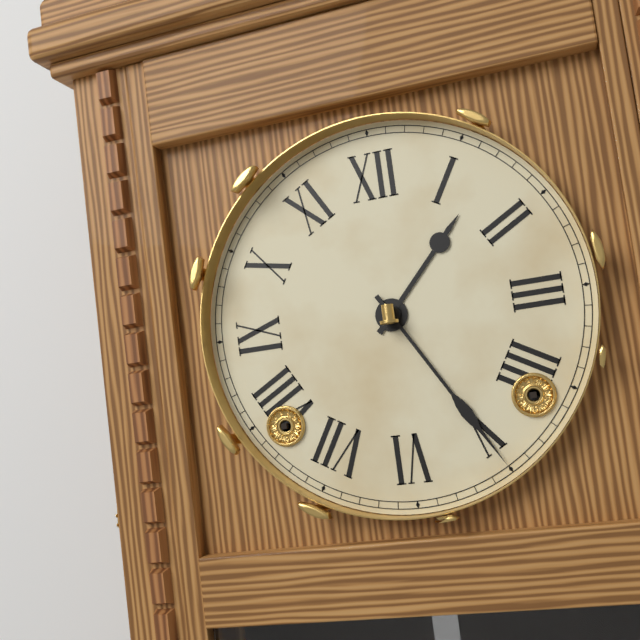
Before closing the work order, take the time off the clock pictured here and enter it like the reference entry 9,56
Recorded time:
1,25
